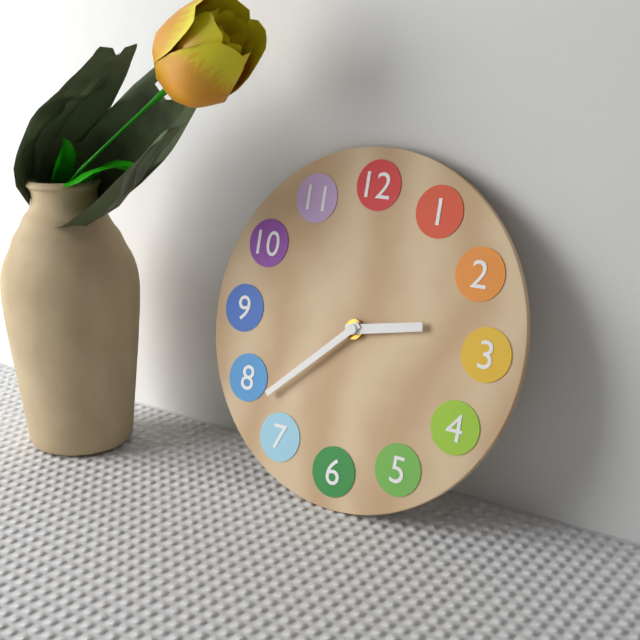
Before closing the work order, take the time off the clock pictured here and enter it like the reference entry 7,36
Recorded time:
2,38
